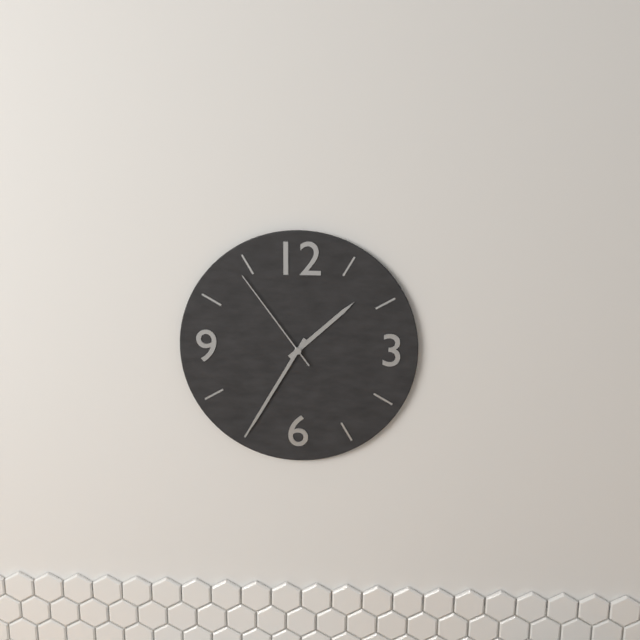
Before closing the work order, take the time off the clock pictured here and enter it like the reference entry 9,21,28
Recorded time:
1,35,54
